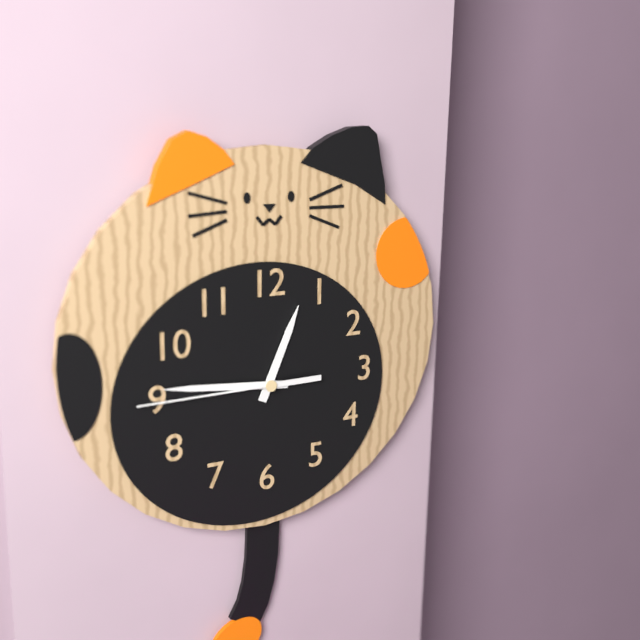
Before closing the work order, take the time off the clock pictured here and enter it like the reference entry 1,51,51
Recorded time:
12,46,45
